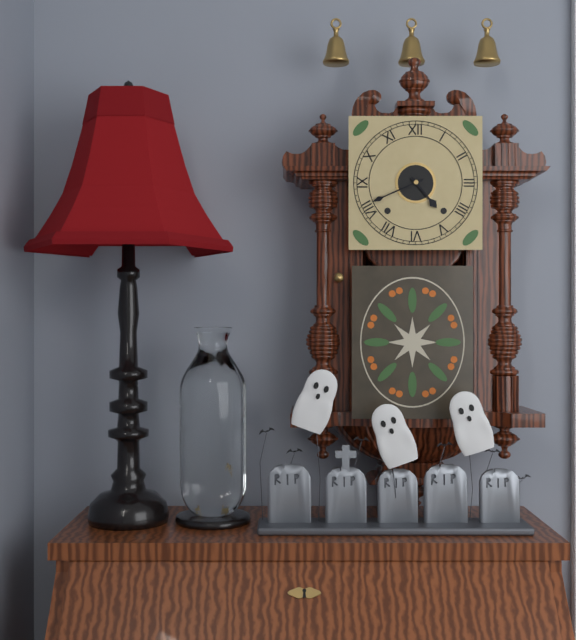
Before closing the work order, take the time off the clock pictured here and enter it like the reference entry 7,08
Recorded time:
4,41
